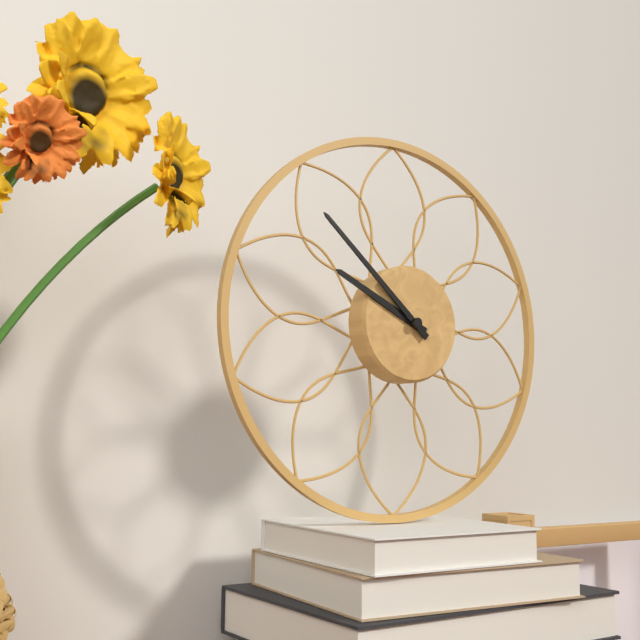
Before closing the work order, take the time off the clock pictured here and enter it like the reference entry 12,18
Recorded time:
9,52
